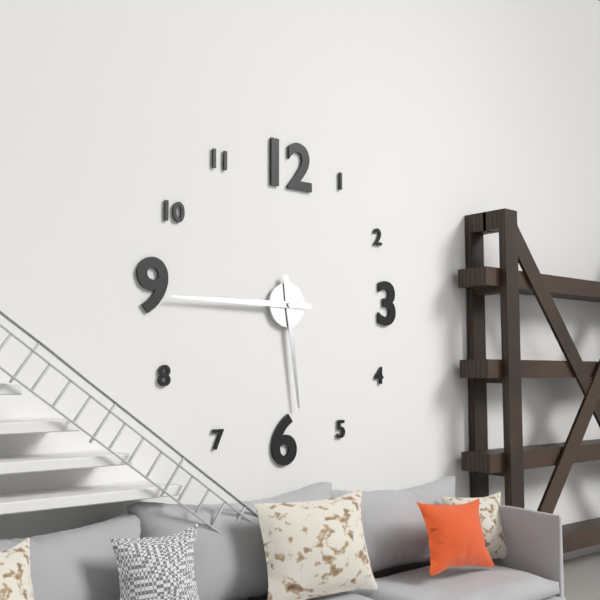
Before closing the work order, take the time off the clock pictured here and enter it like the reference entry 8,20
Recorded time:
5,45
